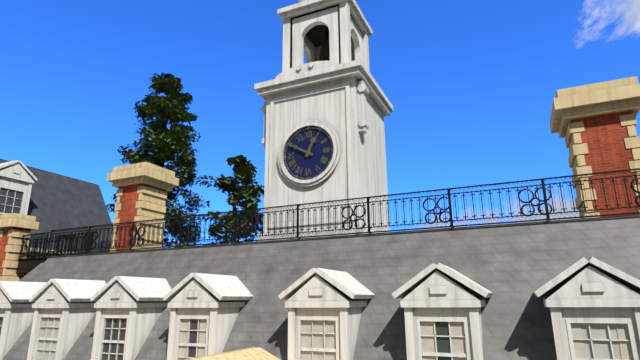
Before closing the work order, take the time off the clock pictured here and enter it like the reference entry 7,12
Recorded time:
12,50
